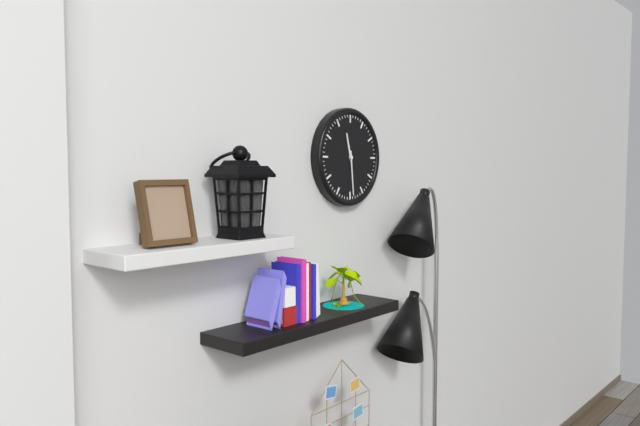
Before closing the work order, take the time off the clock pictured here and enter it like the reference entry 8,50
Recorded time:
11,29
